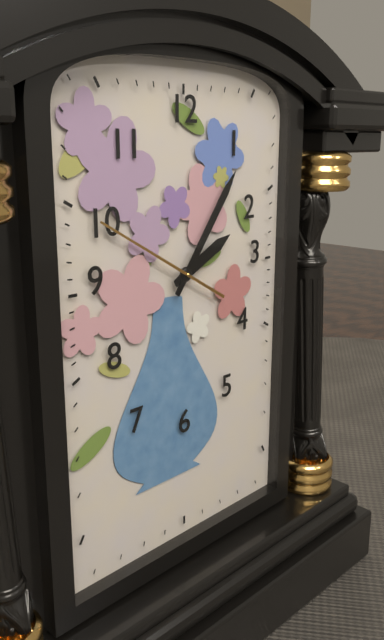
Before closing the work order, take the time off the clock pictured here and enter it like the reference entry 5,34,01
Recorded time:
2,06,50
